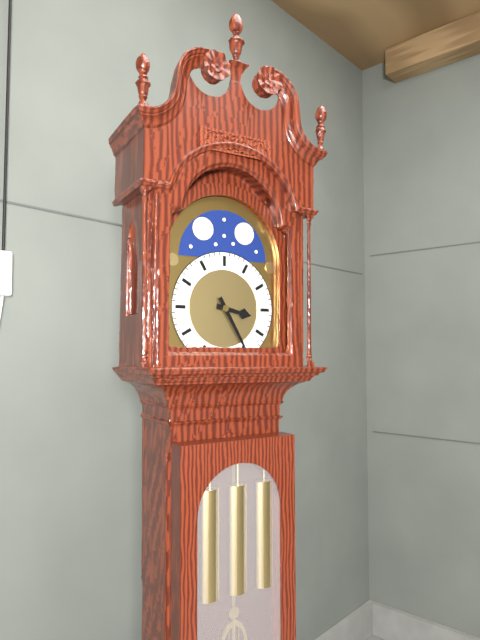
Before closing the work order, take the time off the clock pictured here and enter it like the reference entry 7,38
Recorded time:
3,25
